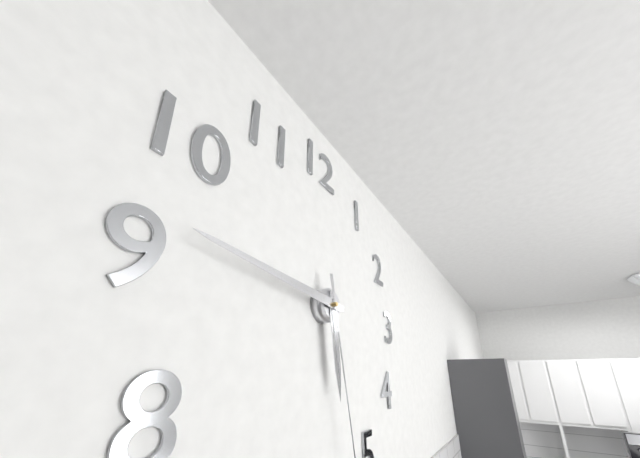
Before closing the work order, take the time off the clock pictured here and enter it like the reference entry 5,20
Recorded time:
5,46
